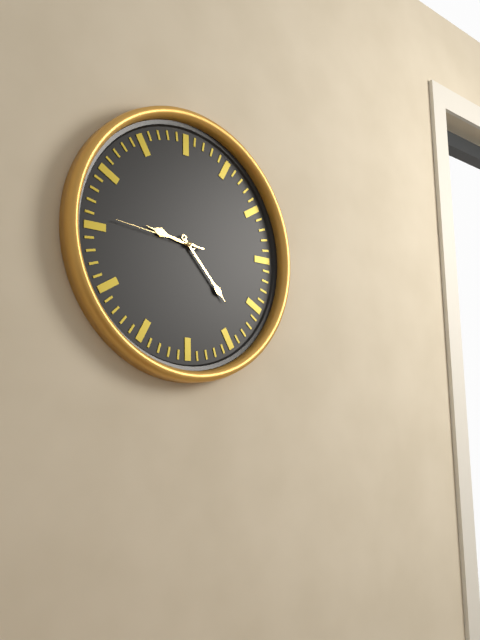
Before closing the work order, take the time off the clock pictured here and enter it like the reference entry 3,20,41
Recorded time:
9,23,46
